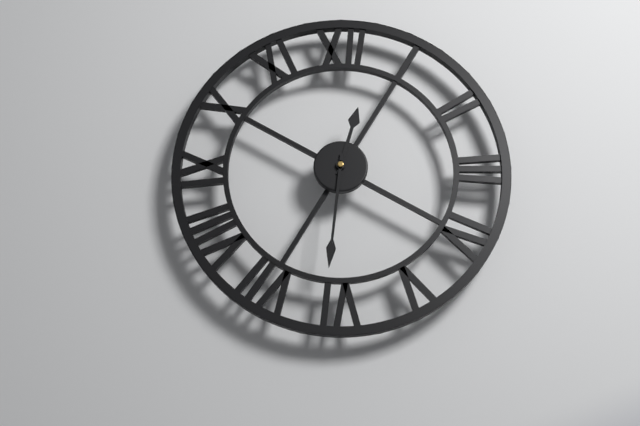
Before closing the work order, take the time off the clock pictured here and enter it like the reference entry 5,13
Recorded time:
12,31
